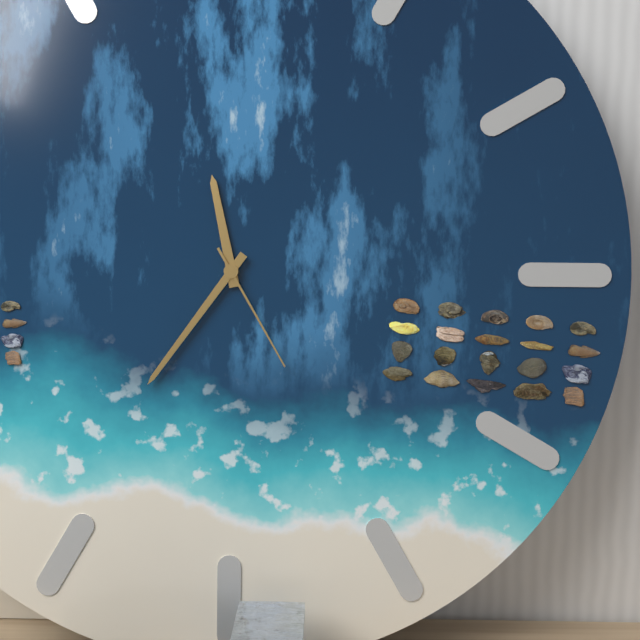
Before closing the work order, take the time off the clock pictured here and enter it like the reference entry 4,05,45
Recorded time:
11,36,25
